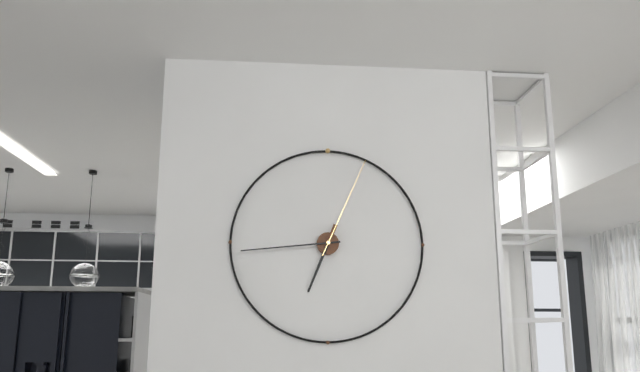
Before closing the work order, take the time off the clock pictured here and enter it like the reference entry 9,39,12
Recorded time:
6,44,04
